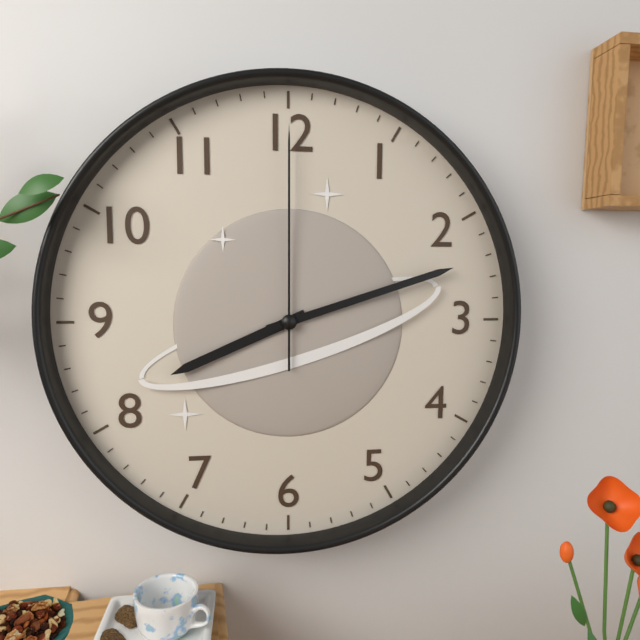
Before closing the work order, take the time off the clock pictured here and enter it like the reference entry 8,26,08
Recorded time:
8,12,00
